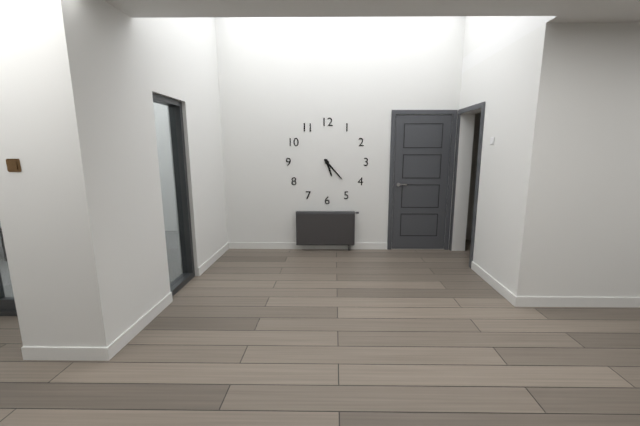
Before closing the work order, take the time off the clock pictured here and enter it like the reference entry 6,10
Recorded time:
5,23
